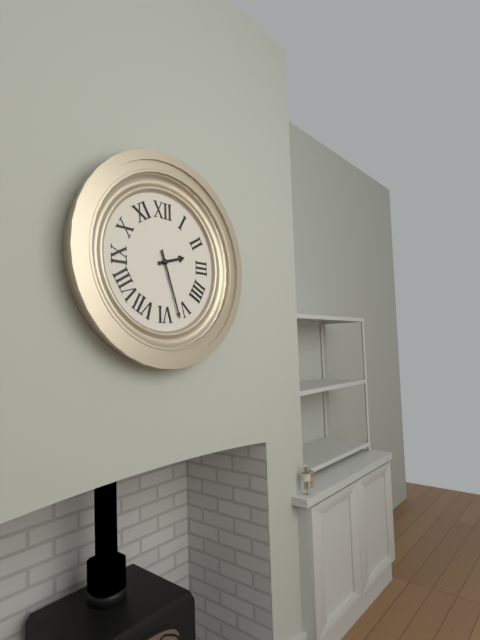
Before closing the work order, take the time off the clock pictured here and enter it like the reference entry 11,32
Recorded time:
2,27
